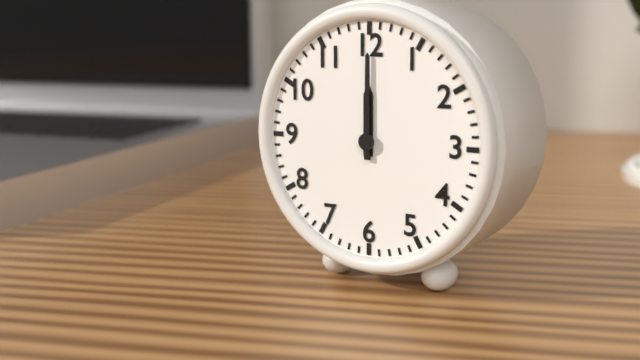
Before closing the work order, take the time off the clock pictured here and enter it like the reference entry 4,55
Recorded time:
12,00
